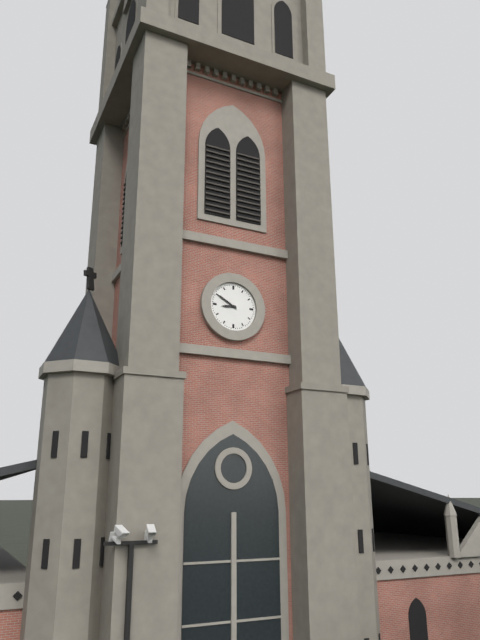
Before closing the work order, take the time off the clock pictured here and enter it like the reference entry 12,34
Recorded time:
8,50
